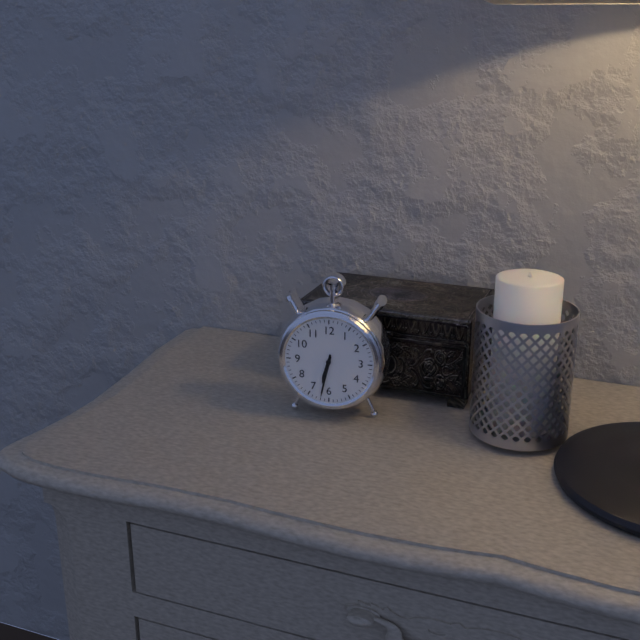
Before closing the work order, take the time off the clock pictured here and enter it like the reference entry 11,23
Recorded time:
6,32
